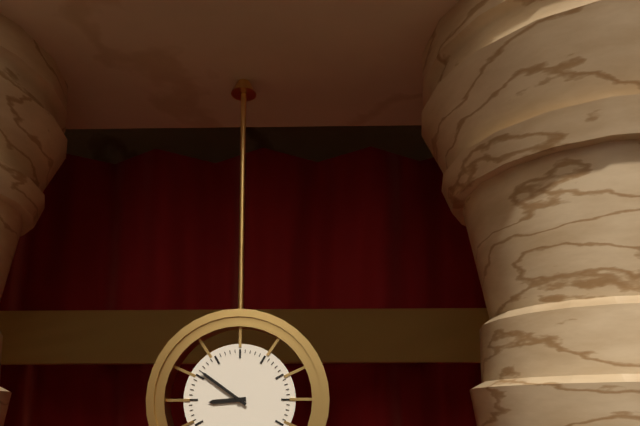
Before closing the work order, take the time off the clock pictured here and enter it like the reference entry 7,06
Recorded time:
8,51
